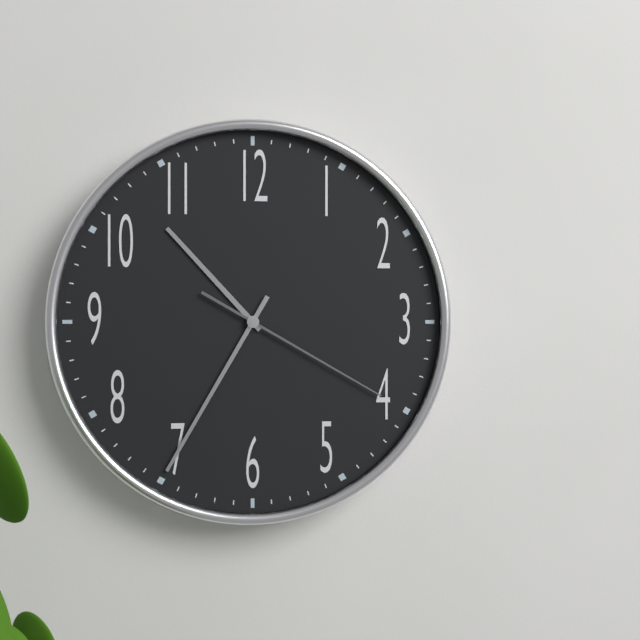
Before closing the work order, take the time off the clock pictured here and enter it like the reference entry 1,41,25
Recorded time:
10,35,20
